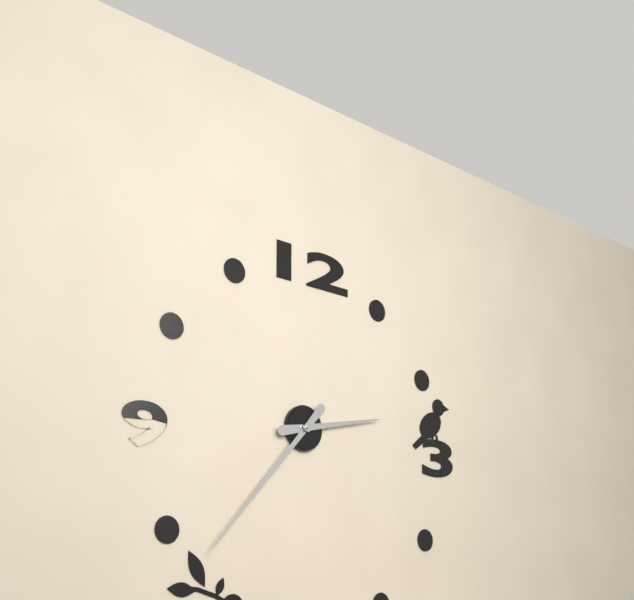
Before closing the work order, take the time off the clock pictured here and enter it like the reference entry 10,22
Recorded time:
2,37
